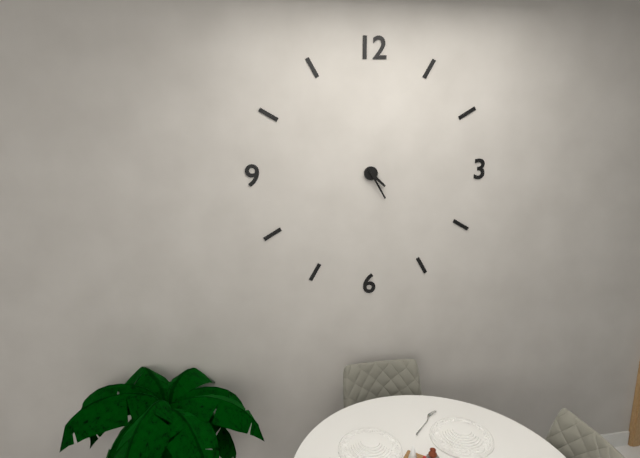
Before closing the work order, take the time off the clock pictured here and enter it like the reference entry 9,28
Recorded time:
4,25
